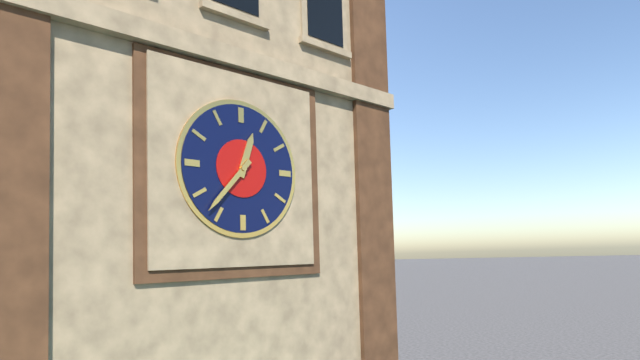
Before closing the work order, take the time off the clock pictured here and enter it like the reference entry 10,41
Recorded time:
12,37
